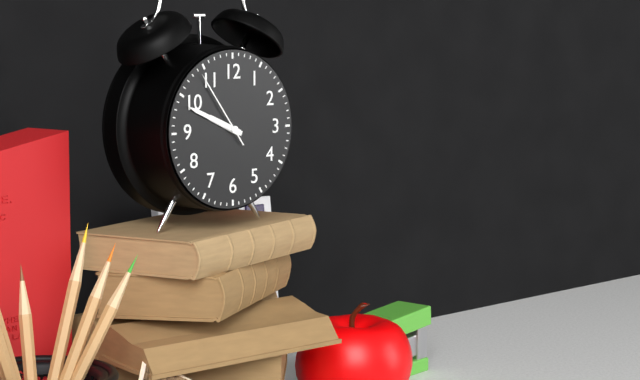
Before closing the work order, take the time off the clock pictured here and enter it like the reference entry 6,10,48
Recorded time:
9,49,54
